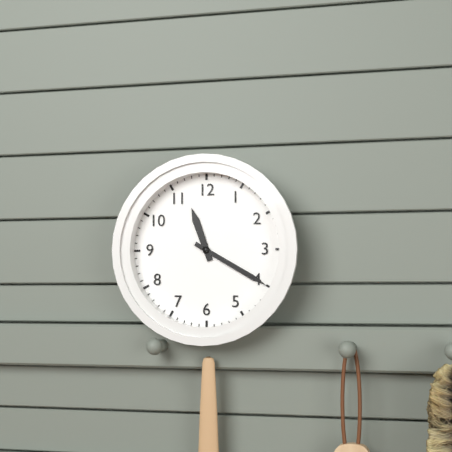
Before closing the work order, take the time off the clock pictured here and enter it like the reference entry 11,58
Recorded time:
11,20
